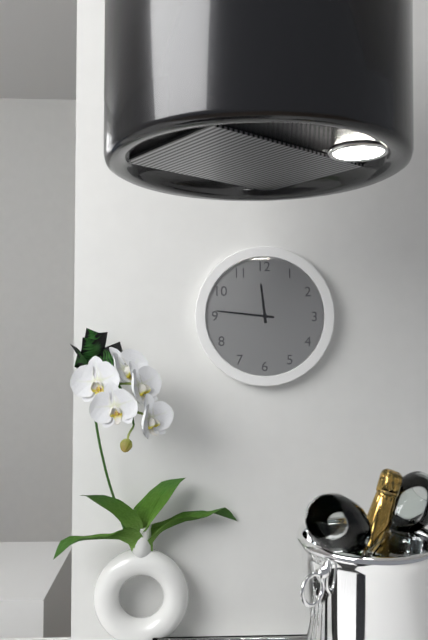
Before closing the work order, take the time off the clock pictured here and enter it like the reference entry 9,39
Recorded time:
11,46
